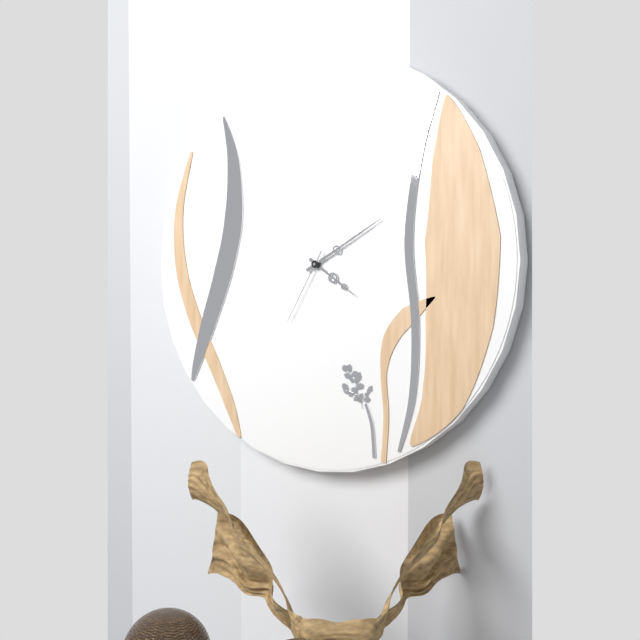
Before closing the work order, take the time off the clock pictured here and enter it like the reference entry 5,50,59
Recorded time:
4,10,35
